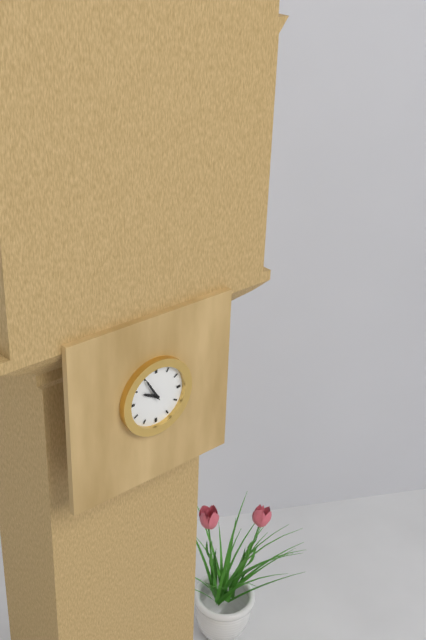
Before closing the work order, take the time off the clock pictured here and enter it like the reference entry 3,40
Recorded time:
9,55
